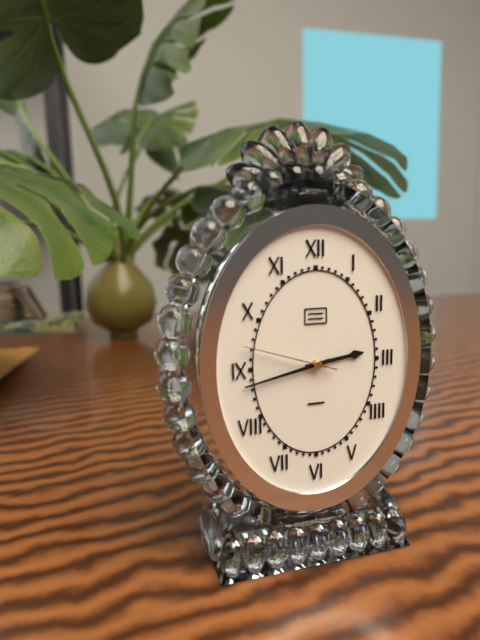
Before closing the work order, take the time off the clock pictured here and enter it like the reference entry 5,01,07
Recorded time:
2,43,48
